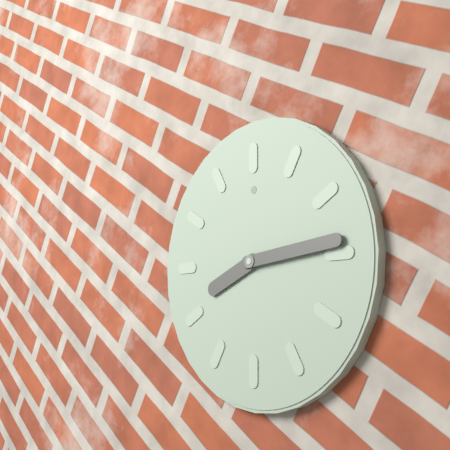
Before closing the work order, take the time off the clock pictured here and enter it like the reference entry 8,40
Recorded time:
8,14
